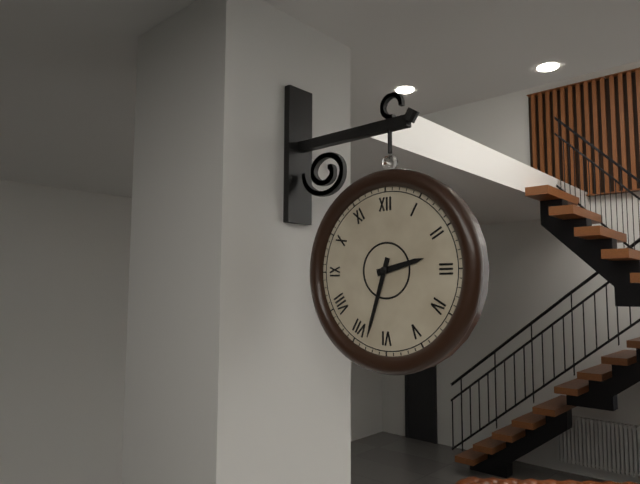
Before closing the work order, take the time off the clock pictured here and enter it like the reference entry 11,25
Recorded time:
2,33
